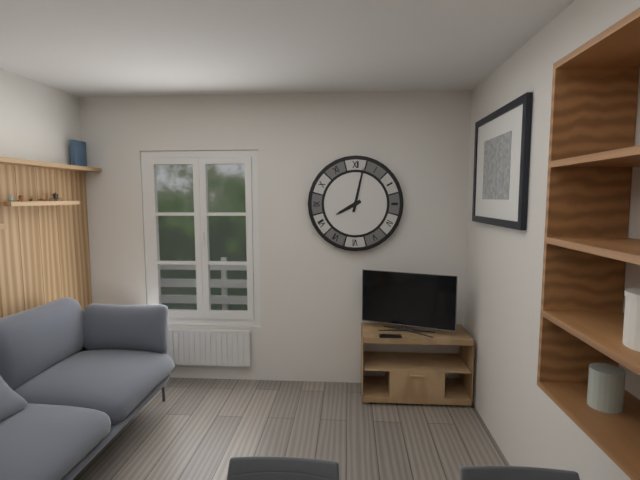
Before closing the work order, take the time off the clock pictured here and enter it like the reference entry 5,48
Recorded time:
8,02
